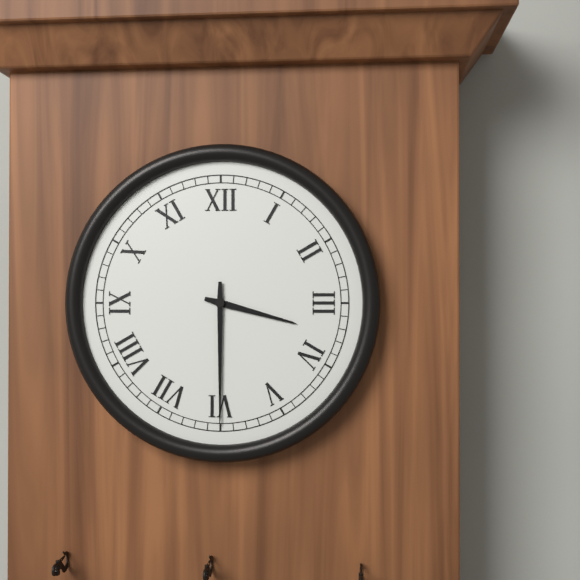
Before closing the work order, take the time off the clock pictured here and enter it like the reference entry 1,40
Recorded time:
3,30
